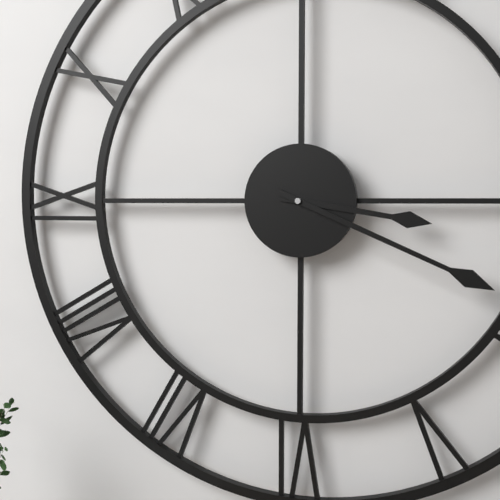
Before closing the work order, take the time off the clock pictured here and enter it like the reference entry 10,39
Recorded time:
3,19
